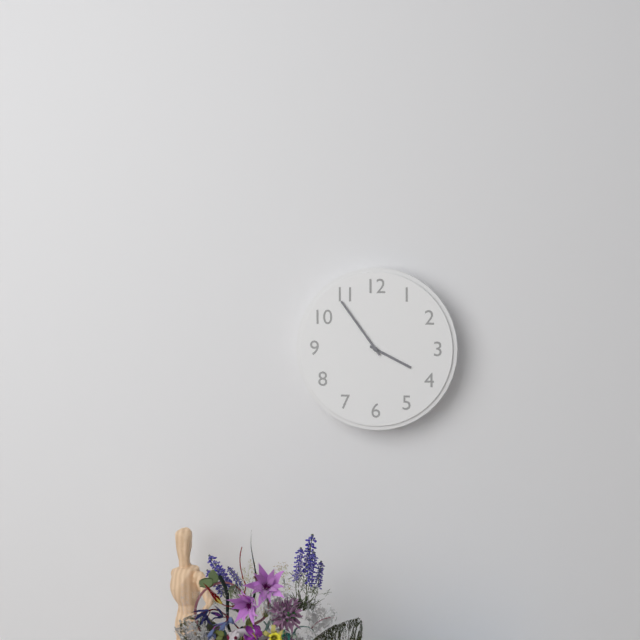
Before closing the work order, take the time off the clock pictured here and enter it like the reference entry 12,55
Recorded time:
3,54
